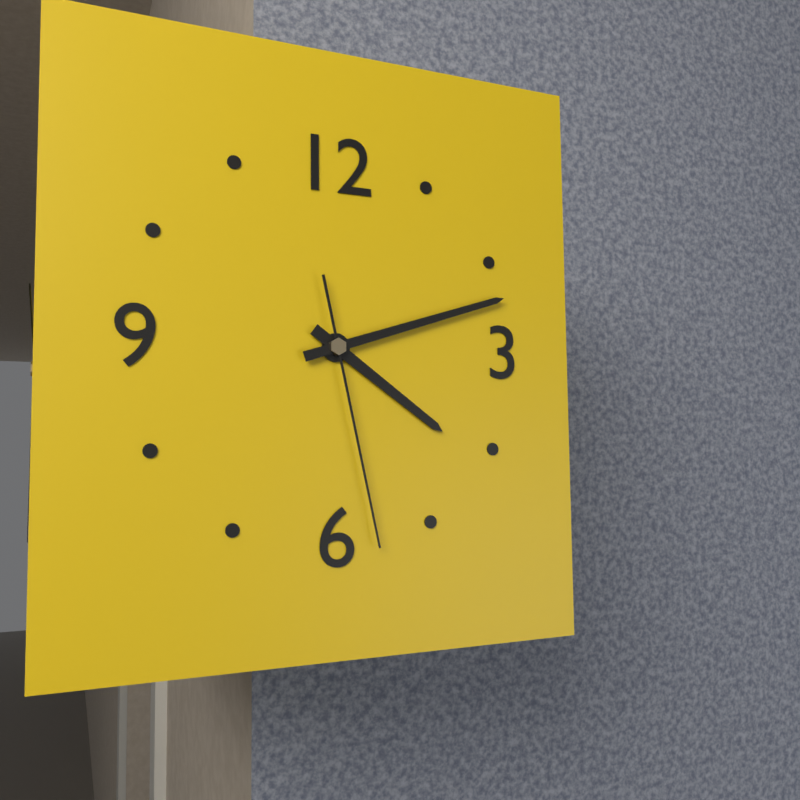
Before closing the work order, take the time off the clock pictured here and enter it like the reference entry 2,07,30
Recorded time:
4,12,28
